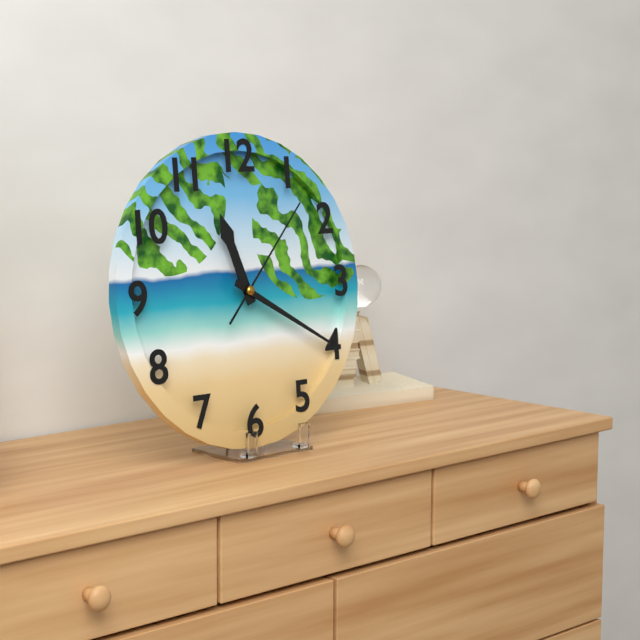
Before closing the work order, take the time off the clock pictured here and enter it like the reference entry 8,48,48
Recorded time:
11,20,07
